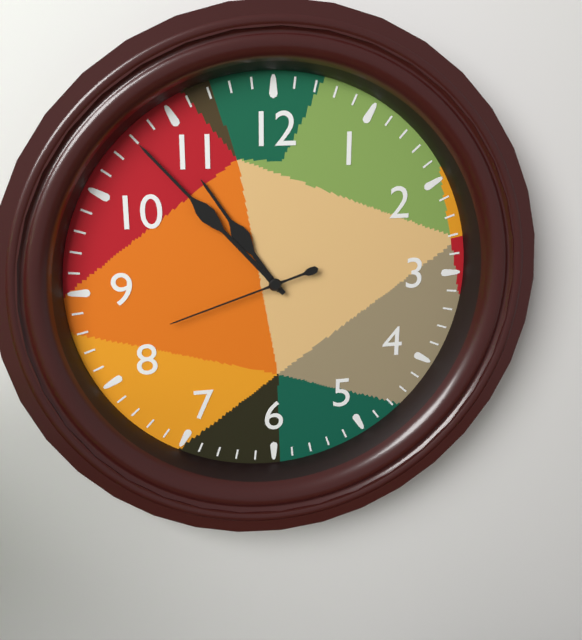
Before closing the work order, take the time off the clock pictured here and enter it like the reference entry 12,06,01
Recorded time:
10,53,42
